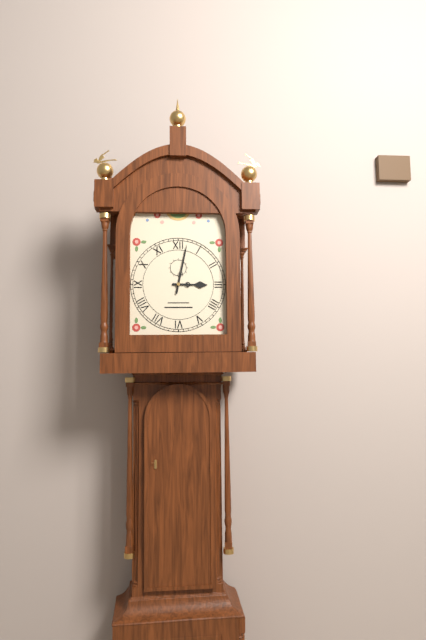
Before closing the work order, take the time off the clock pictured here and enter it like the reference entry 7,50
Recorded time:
3,02
